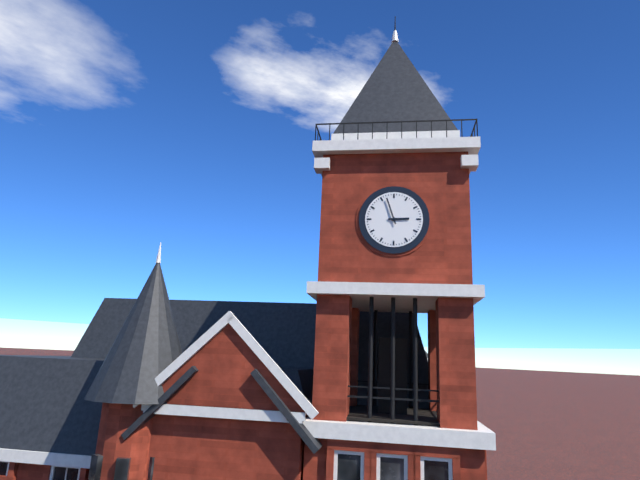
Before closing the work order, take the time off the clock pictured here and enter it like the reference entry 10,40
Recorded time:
2,57
